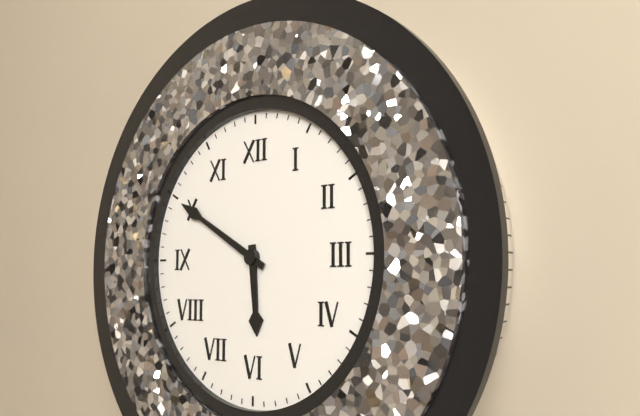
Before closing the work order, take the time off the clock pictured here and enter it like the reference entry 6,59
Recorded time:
5,50
